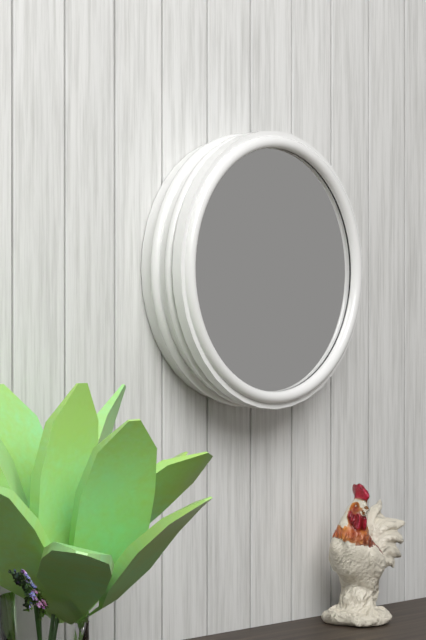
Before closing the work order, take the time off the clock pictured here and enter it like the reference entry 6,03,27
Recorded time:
2,07,47
